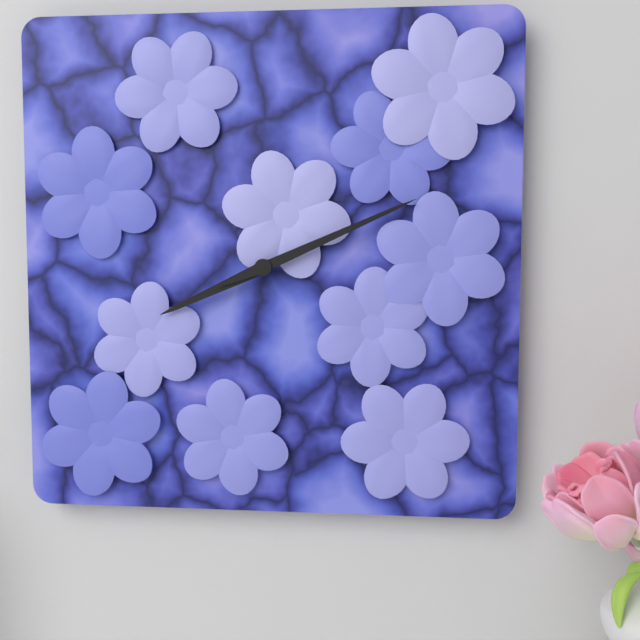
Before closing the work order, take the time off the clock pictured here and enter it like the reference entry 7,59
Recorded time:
8,11
